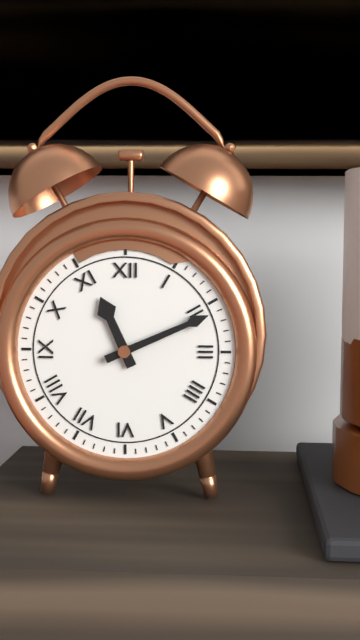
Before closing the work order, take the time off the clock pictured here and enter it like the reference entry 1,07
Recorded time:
11,11
